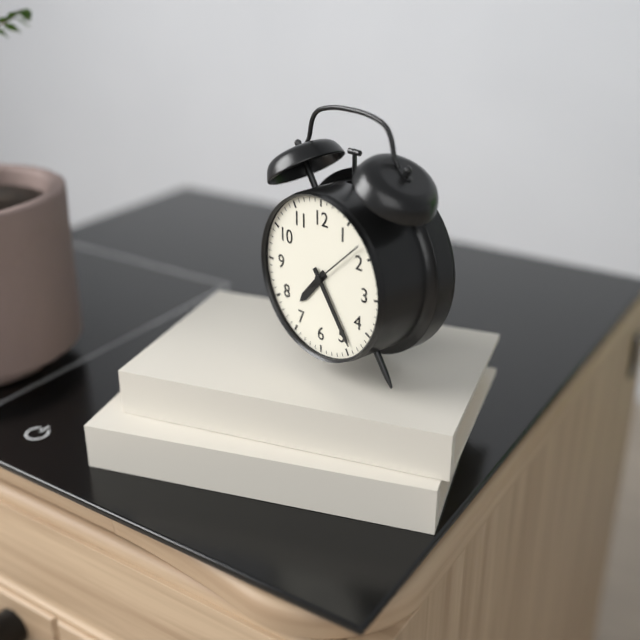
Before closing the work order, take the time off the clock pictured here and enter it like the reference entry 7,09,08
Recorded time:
7,24,08
